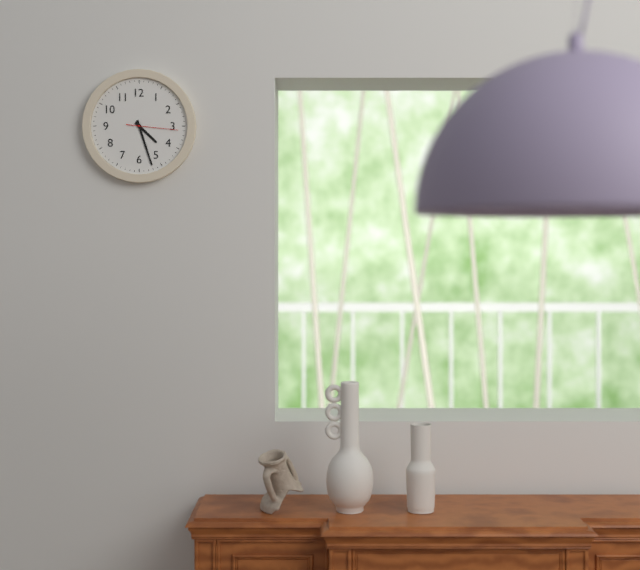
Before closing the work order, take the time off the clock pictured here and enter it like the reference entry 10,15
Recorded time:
4,27
